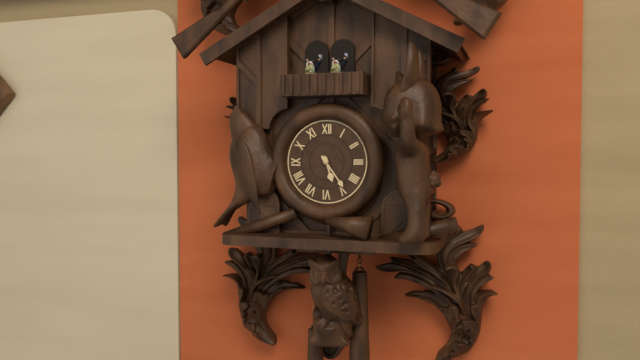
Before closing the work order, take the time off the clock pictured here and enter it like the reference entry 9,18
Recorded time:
5,24
